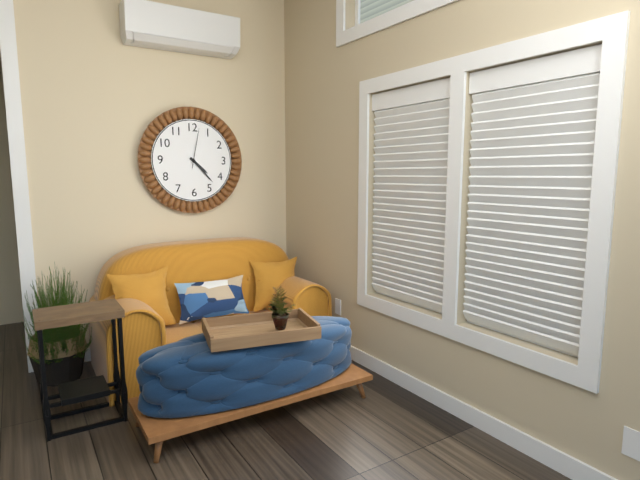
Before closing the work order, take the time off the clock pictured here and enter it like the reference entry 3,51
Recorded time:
4,23
